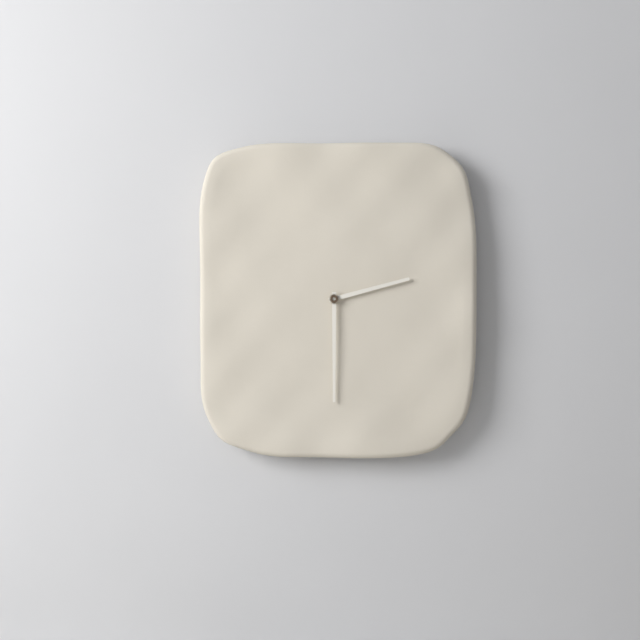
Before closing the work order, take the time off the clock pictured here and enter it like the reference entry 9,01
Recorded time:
2,30
